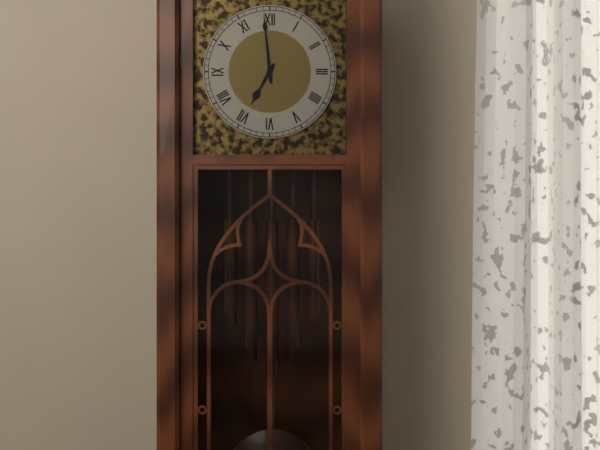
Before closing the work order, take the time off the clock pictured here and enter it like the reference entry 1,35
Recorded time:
6,59
